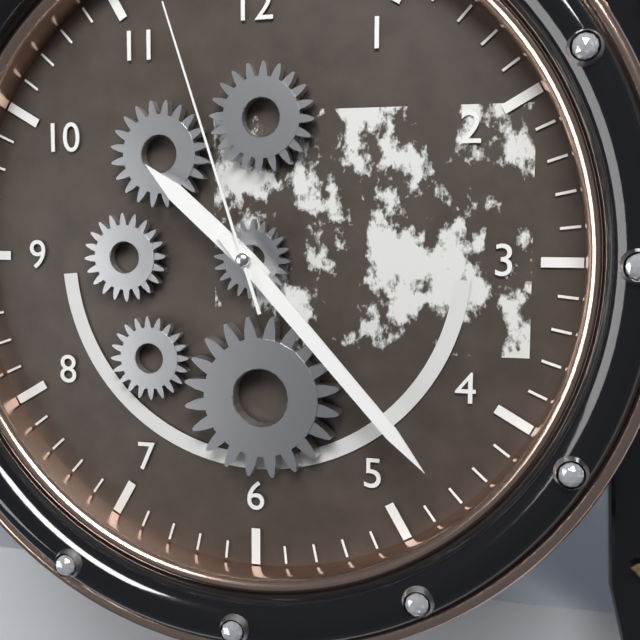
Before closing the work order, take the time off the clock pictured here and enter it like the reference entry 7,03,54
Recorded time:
10,23,57
